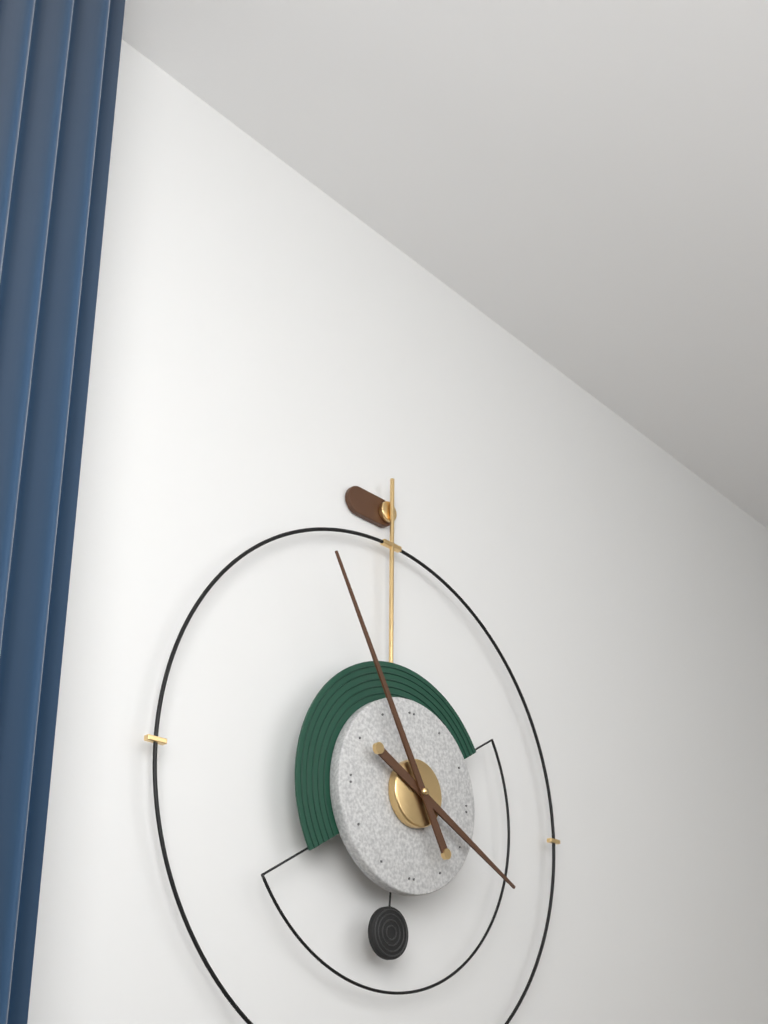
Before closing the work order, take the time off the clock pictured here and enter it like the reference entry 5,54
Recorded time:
3,55
